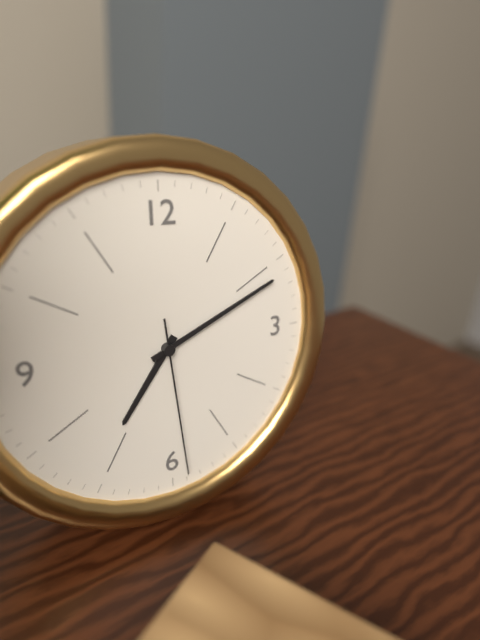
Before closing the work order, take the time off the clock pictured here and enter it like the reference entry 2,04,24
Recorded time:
7,11,29
